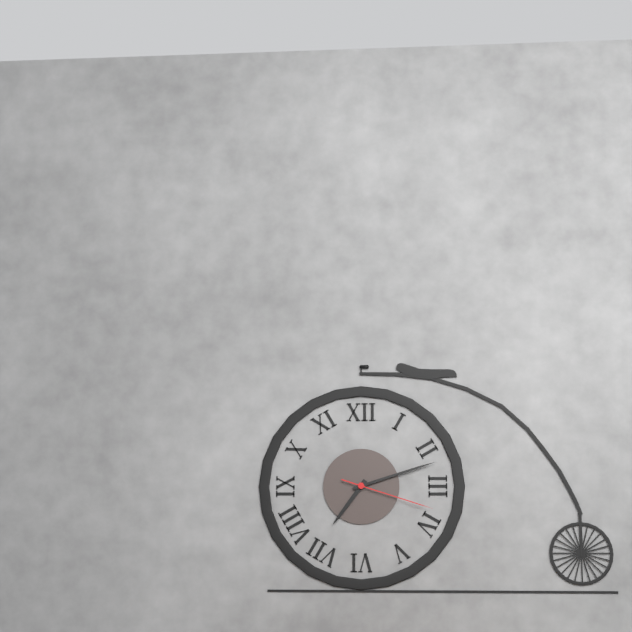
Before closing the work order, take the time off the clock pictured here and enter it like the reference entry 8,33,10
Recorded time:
7,12,18
